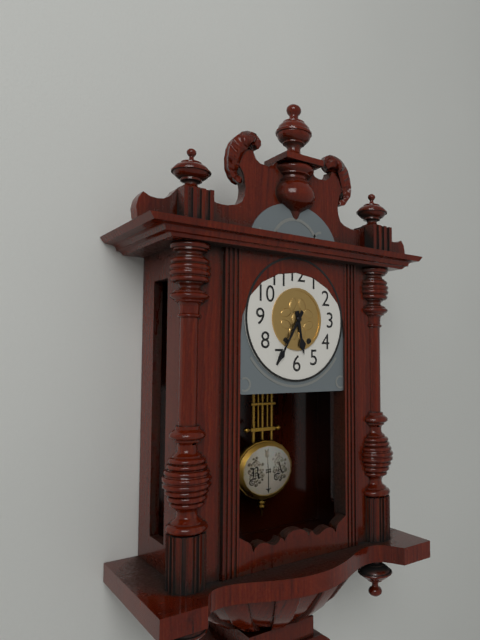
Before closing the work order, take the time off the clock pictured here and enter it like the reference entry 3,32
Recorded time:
5,35
